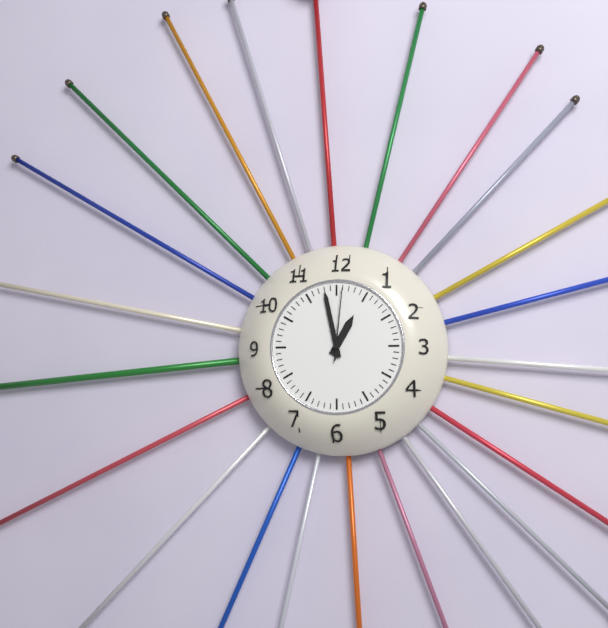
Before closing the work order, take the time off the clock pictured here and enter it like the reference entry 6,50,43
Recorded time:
12,58,01
